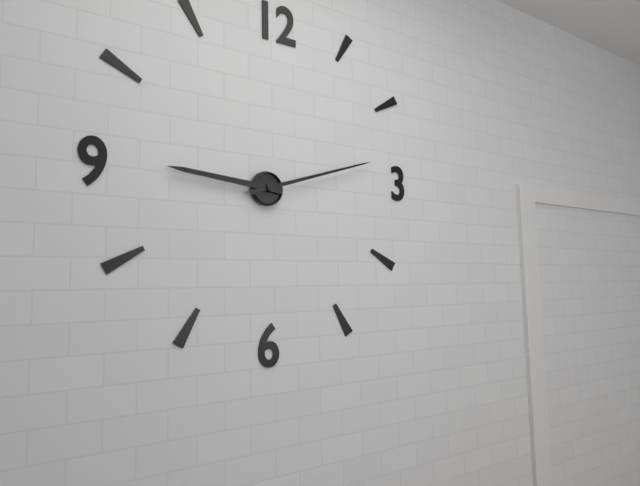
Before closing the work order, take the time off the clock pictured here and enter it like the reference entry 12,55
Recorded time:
9,12
